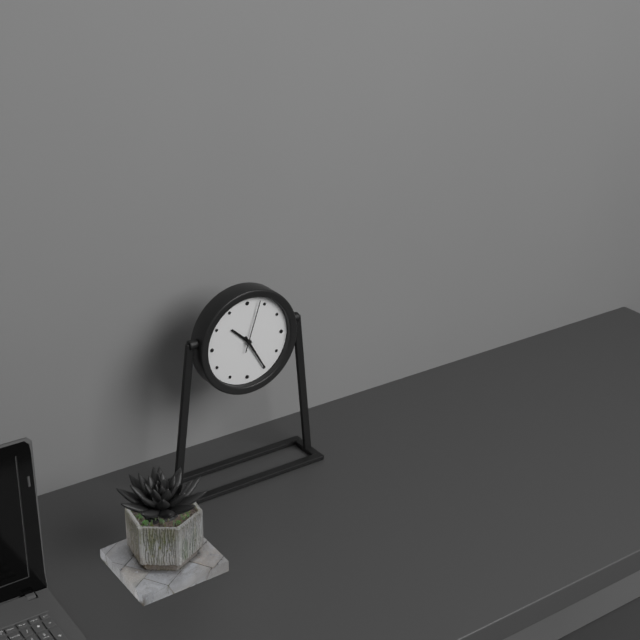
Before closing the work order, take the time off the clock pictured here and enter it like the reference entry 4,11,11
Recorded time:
10,25,03
